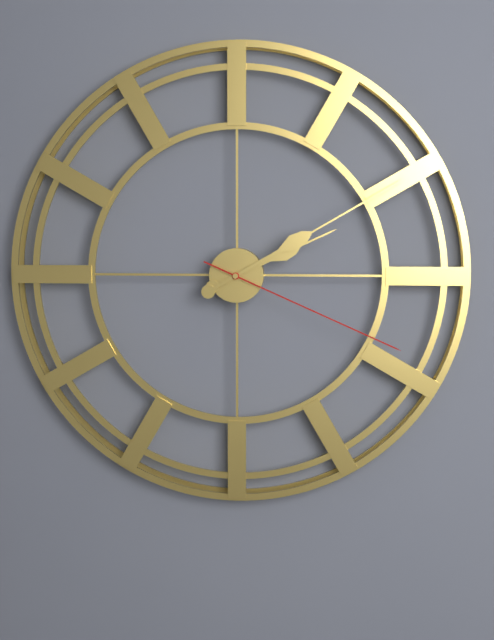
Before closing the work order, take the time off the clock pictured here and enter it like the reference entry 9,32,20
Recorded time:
2,10,19
